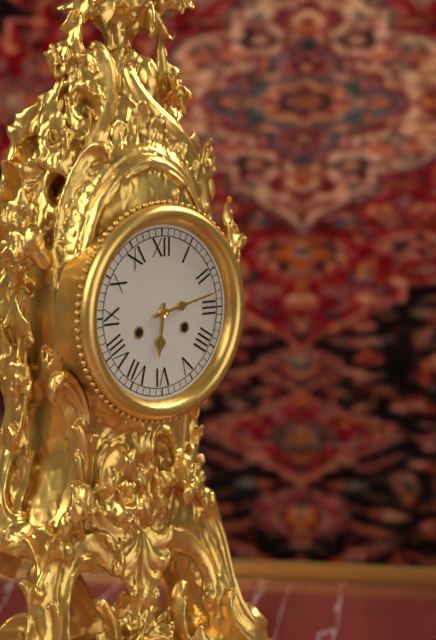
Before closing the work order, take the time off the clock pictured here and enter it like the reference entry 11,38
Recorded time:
6,13
